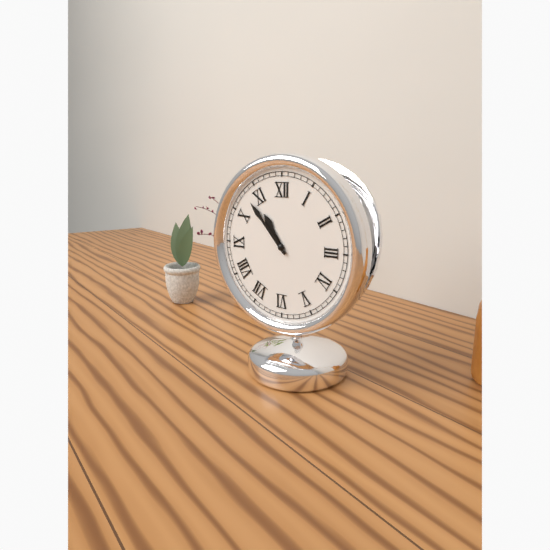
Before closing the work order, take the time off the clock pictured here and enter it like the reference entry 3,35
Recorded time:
10,53
